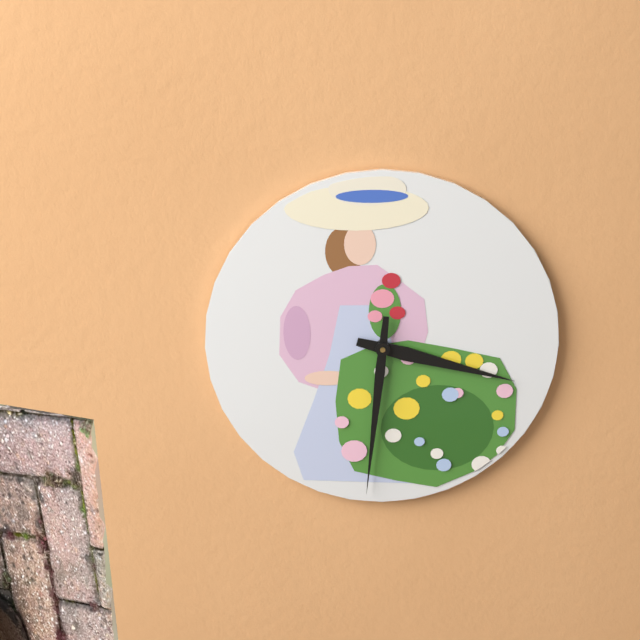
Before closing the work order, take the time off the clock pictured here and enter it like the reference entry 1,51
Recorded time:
3,31
